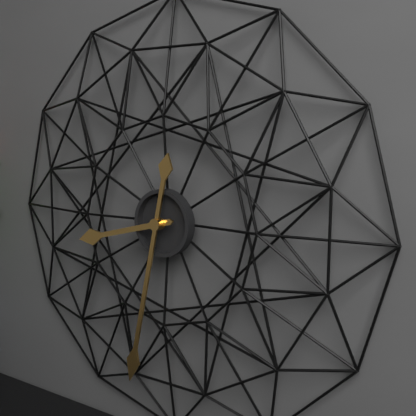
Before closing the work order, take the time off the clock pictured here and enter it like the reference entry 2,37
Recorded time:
8,32
